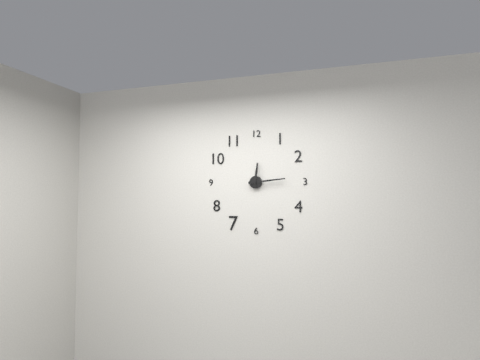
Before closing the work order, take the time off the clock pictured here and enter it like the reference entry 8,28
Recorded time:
12,14
